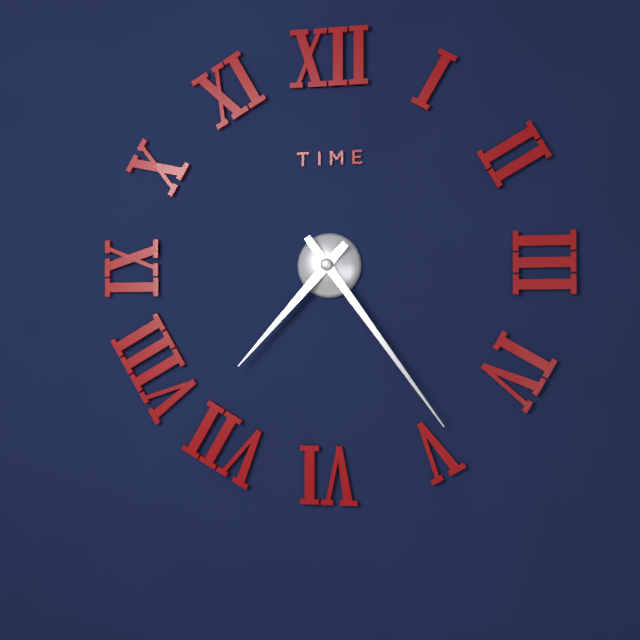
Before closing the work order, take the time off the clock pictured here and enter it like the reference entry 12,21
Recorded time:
7,24
